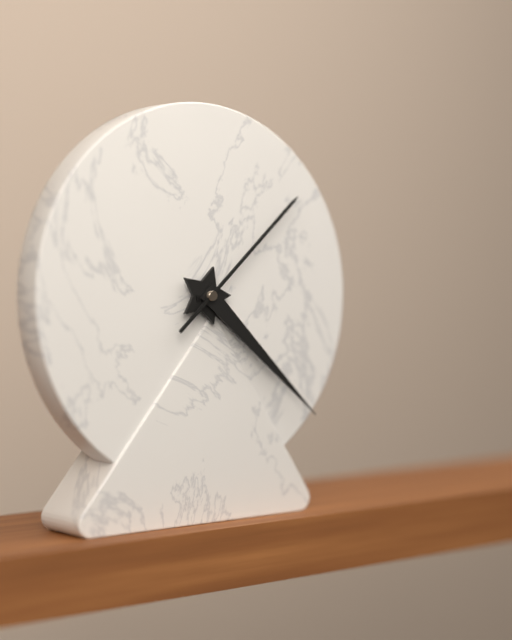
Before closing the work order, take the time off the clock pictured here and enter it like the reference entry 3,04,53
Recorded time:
4,22,08
